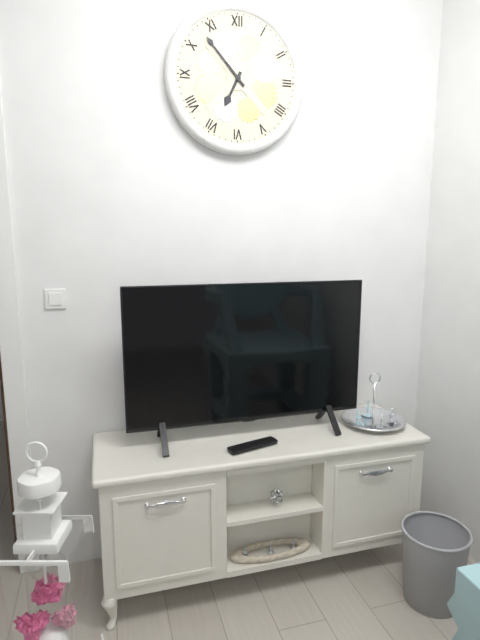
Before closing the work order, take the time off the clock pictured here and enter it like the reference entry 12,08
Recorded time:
6,53
